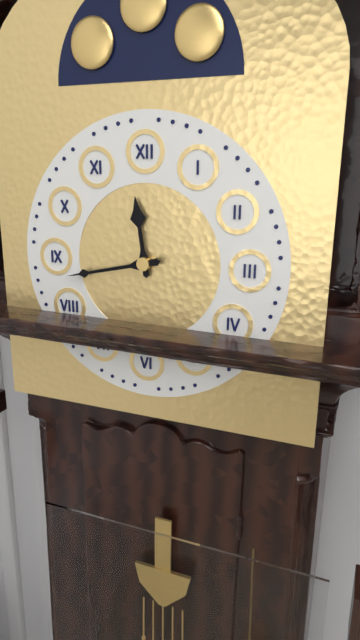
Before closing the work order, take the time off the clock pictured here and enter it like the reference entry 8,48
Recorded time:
11,43
